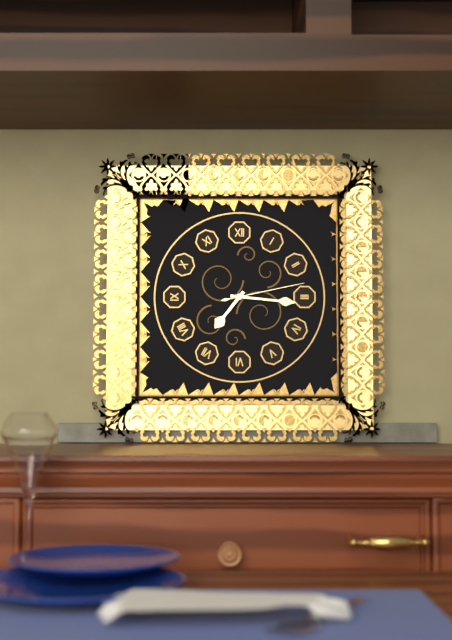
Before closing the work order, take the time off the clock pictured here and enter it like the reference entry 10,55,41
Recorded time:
7,16,13
